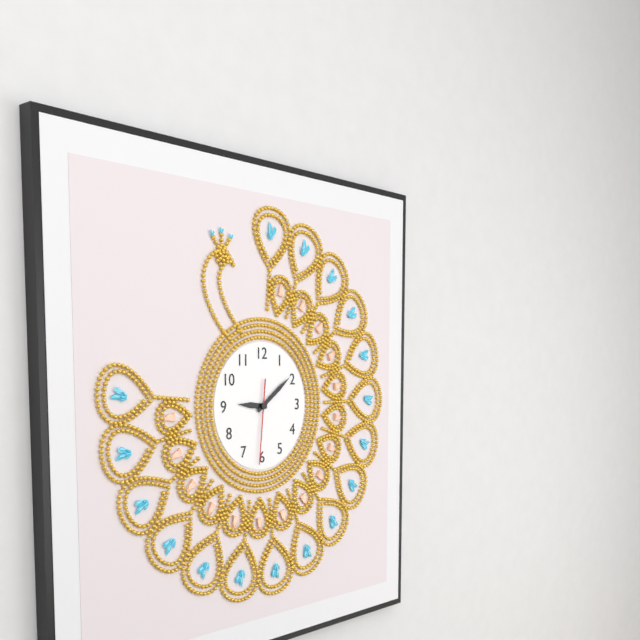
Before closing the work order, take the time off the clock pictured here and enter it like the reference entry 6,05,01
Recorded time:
9,09,31
